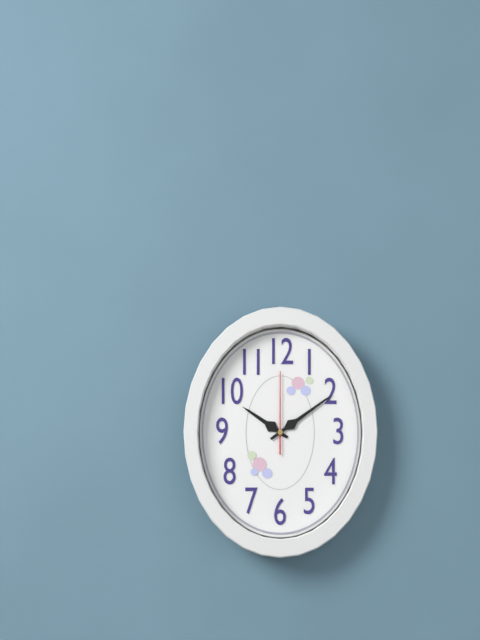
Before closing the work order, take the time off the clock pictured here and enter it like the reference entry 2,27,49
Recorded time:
10,09,00
